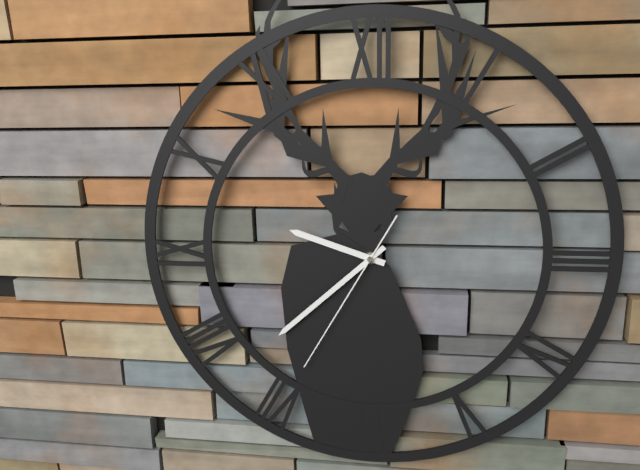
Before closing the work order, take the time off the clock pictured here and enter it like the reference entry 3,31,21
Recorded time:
9,38,35
